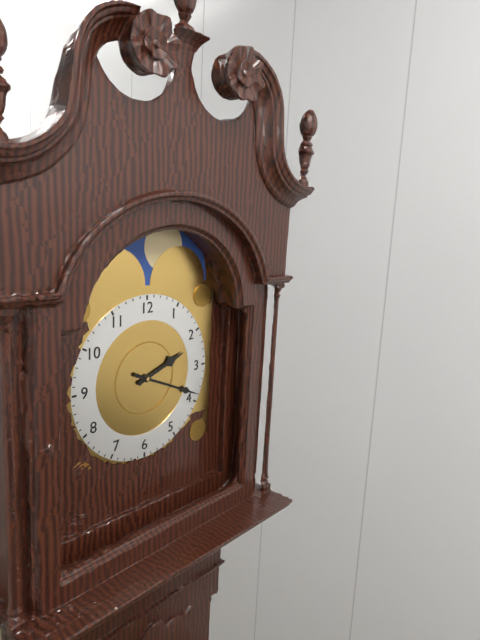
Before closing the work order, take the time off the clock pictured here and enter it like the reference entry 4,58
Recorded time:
2,19
